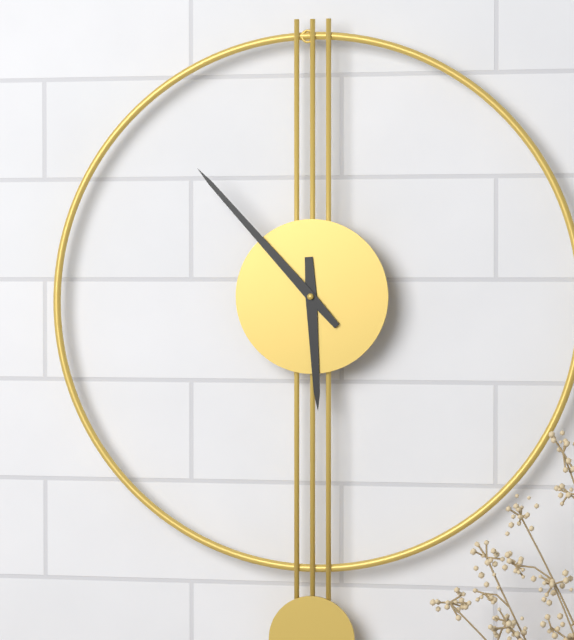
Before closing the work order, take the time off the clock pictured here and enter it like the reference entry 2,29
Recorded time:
5,53
